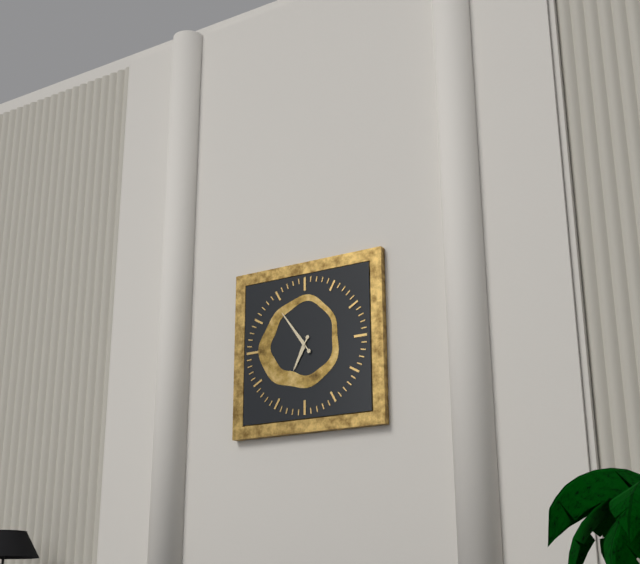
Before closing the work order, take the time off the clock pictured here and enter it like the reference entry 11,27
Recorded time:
6,54
